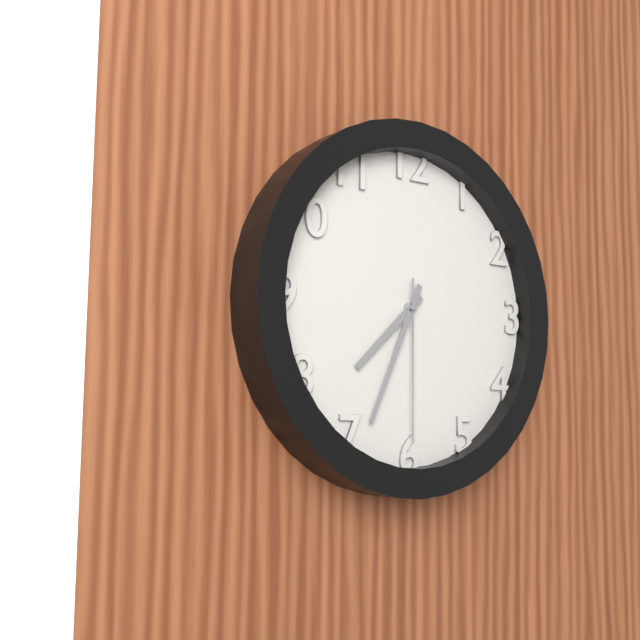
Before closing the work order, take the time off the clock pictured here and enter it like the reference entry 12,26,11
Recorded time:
7,34,30
